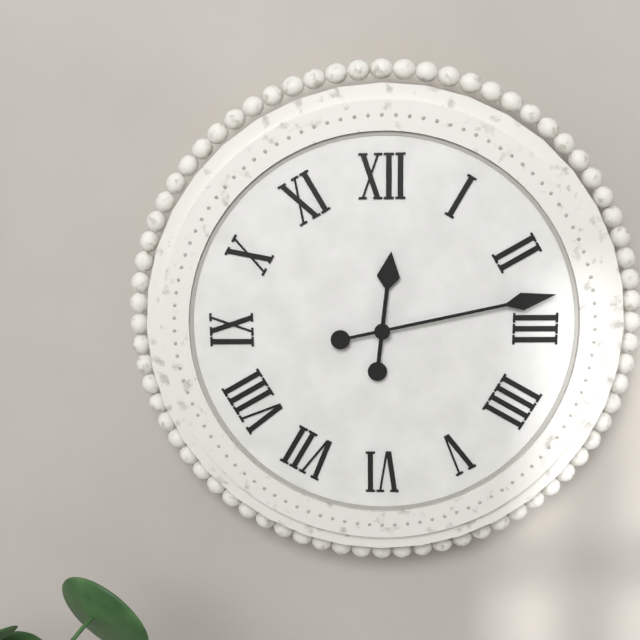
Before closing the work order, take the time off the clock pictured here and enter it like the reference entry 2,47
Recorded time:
12,13
